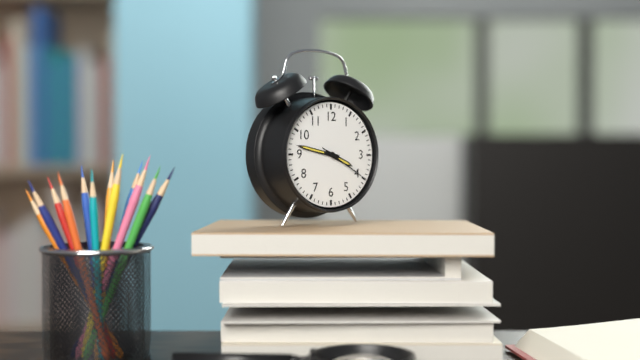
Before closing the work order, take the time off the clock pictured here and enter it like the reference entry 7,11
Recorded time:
3,47
